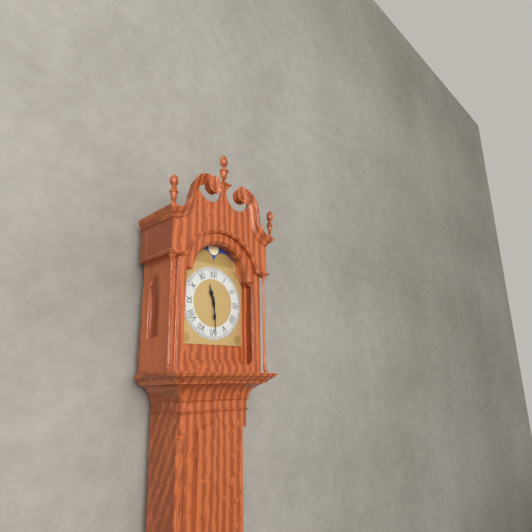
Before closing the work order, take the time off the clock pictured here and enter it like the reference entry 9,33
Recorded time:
11,29
